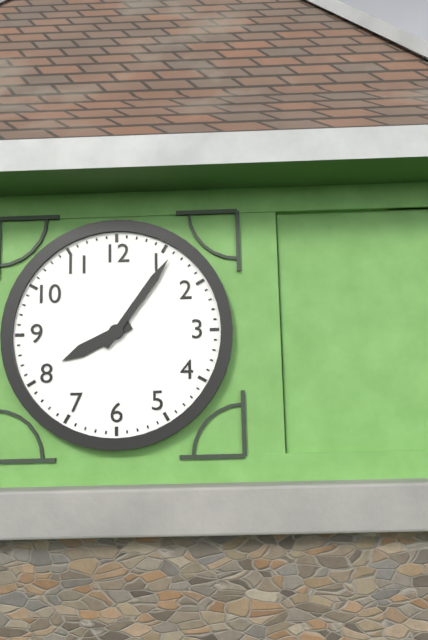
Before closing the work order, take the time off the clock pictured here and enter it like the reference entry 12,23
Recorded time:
8,06
